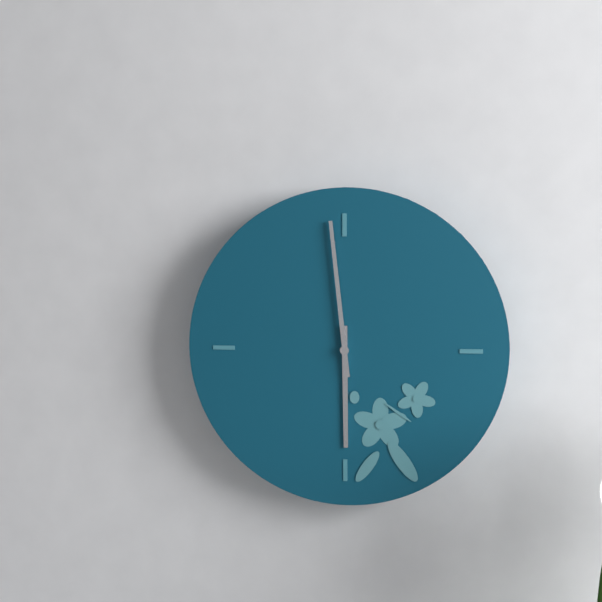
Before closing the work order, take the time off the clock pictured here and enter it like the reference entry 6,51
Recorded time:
5,59
